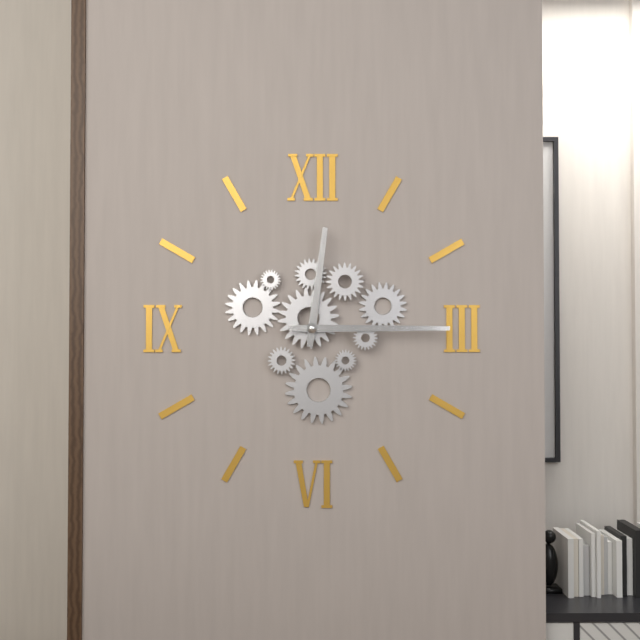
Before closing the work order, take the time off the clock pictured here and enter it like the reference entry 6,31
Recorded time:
12,15
